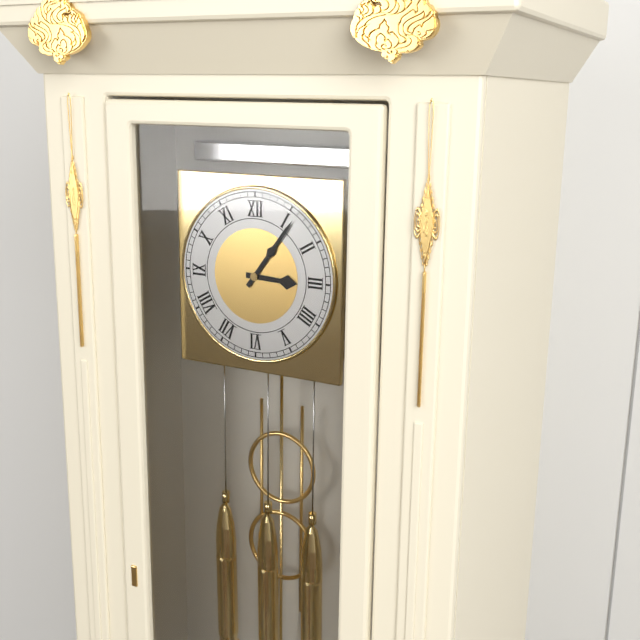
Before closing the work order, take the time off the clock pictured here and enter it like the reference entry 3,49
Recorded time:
3,06
